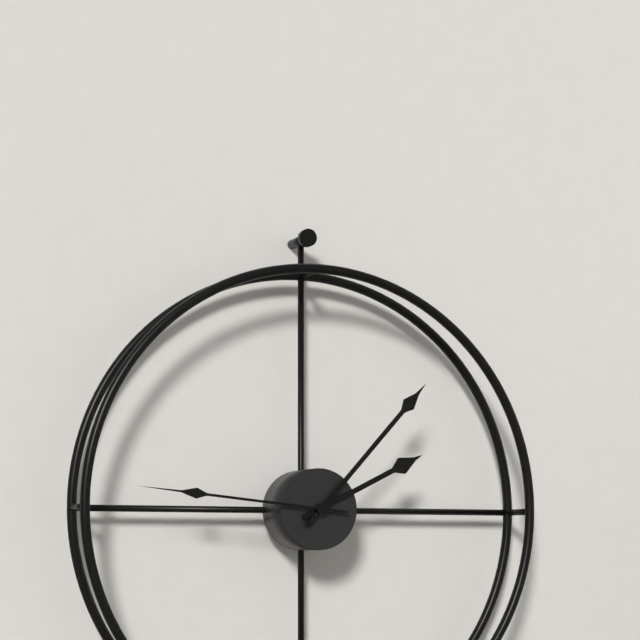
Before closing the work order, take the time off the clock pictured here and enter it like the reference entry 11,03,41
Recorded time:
2,07,46
